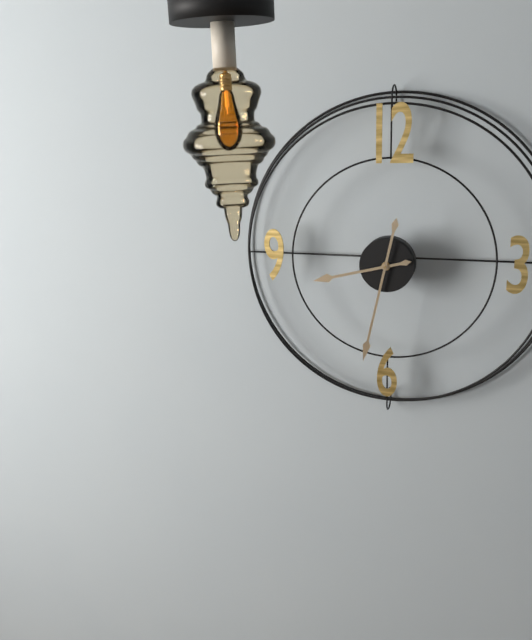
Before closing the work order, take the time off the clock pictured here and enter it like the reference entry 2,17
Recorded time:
8,32
